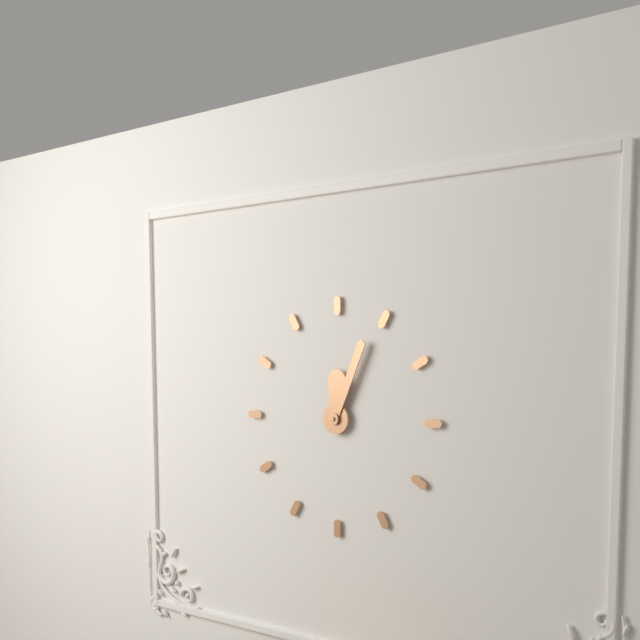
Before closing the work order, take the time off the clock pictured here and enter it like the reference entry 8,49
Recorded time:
12,04
